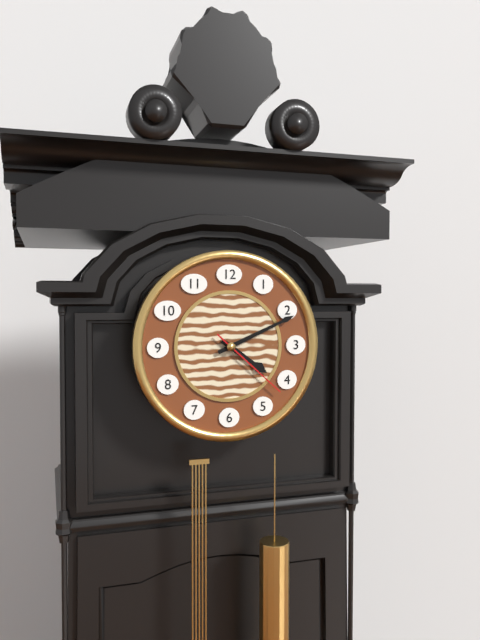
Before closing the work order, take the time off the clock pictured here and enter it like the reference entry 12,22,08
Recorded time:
4,11,22
